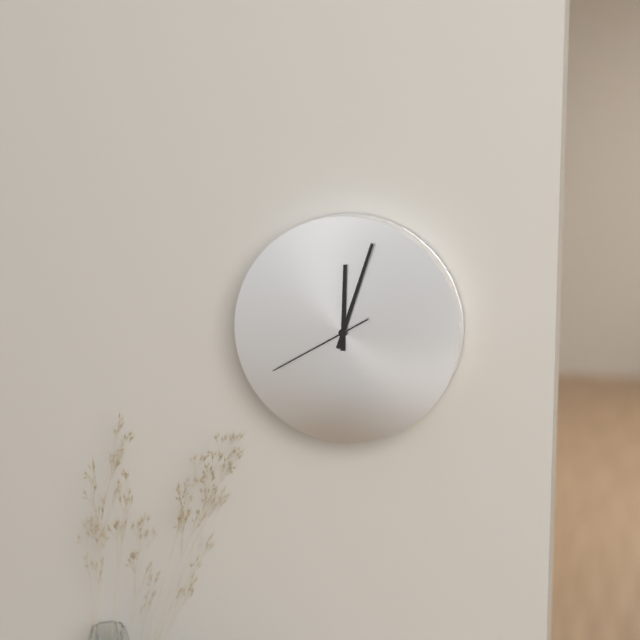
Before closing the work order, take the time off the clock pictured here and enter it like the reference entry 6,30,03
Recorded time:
12,03,40
